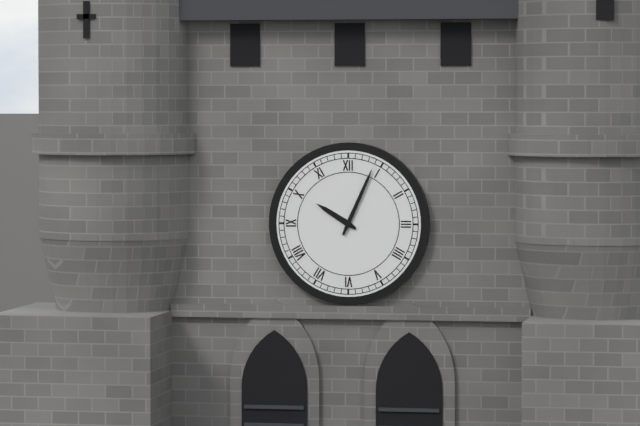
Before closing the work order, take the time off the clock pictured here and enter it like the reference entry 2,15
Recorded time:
10,04
